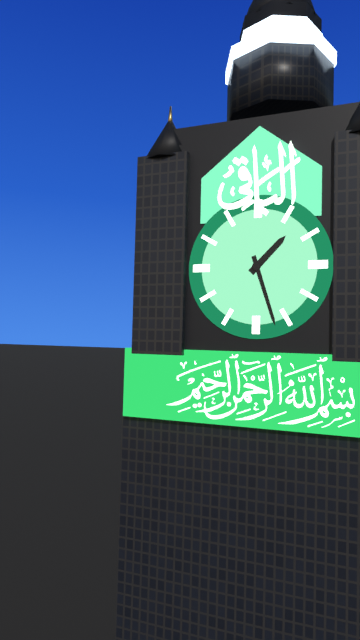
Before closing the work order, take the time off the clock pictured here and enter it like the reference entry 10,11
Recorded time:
1,27
